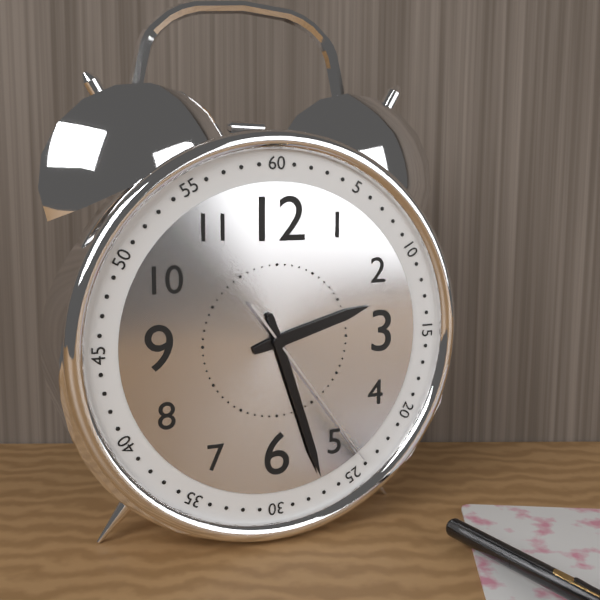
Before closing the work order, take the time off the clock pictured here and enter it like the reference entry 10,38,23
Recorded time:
2,27,24
